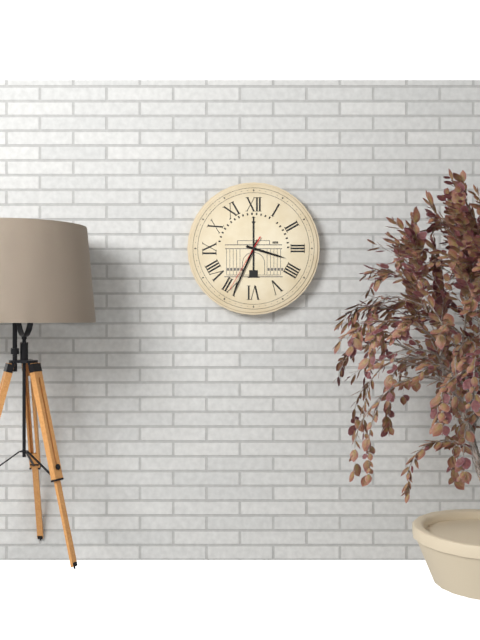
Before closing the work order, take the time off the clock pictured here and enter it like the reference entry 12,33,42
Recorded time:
3,34,35
